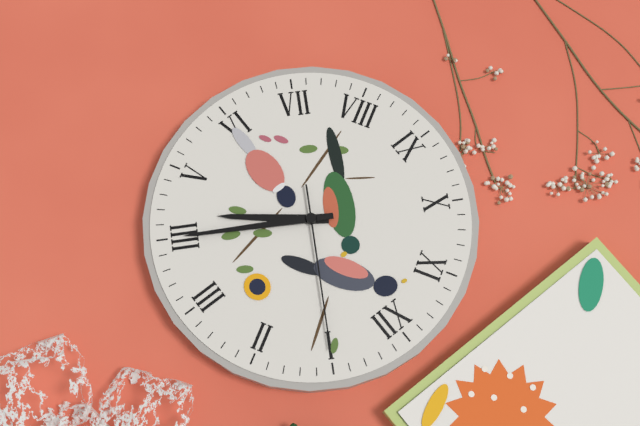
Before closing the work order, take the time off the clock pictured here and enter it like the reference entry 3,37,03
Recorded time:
4,20,05
